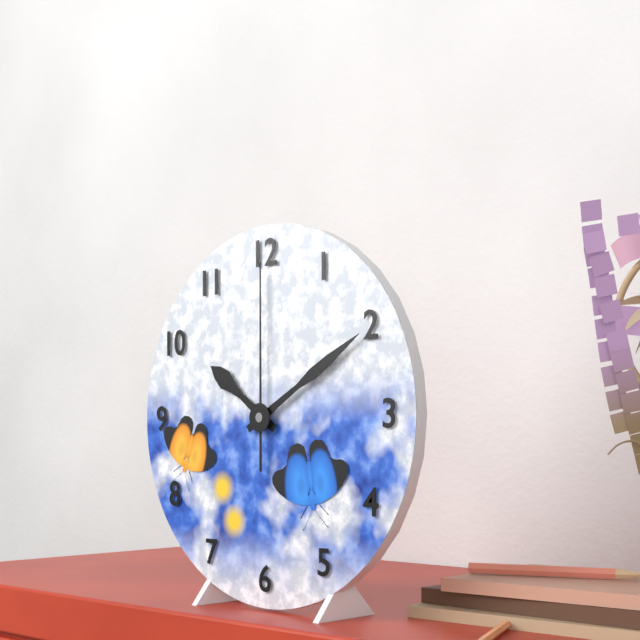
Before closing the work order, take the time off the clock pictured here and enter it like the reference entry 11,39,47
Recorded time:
10,10,00
